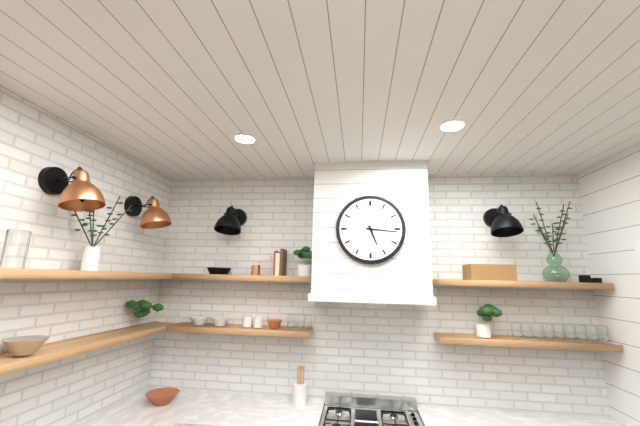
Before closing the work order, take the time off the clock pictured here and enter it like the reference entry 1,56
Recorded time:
5,16
